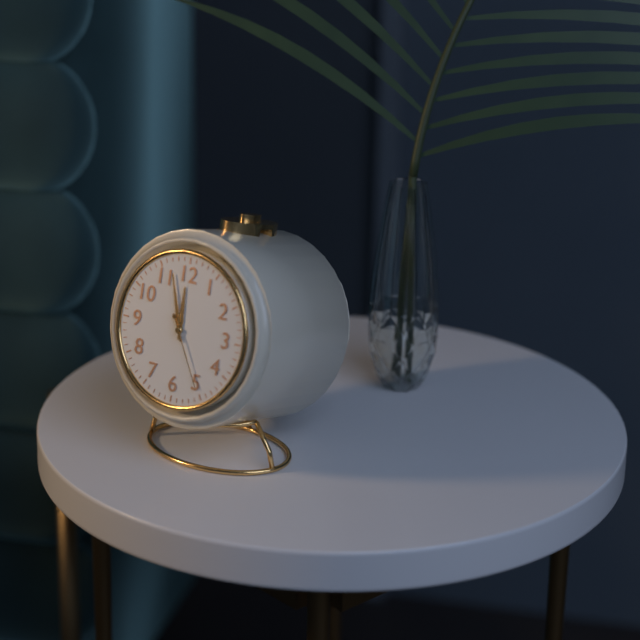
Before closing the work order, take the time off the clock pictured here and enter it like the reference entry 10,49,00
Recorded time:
11,57,25
